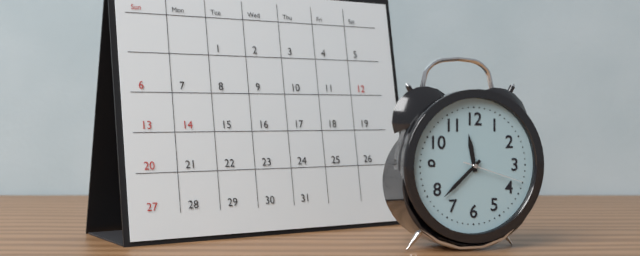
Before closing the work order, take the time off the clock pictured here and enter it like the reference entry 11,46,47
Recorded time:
11,38,18
